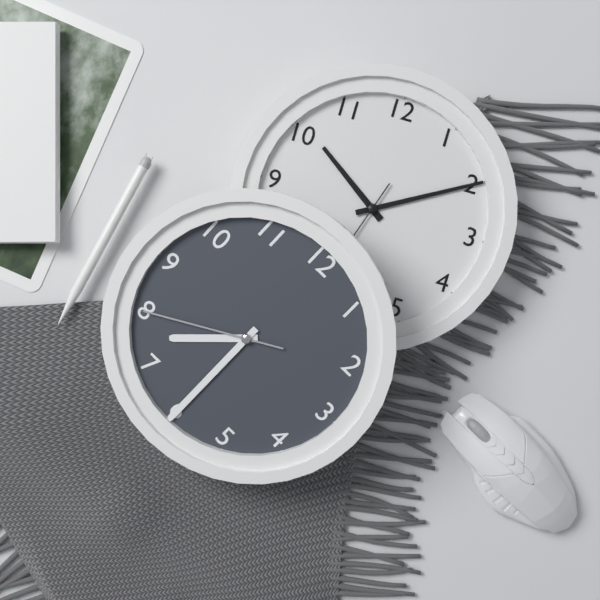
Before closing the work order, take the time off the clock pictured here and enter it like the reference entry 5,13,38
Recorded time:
7,30,40
